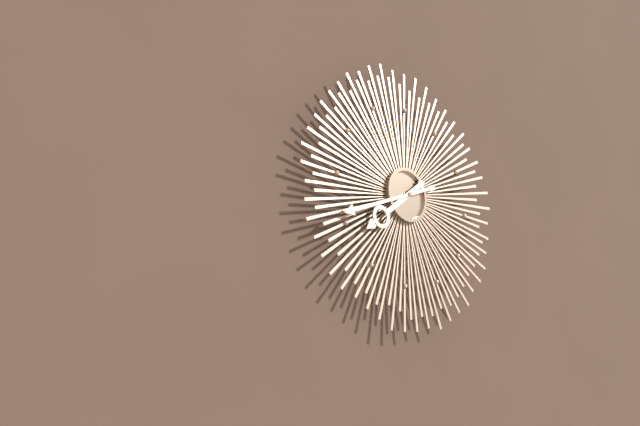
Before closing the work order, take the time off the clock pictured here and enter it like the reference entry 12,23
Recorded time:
7,41
